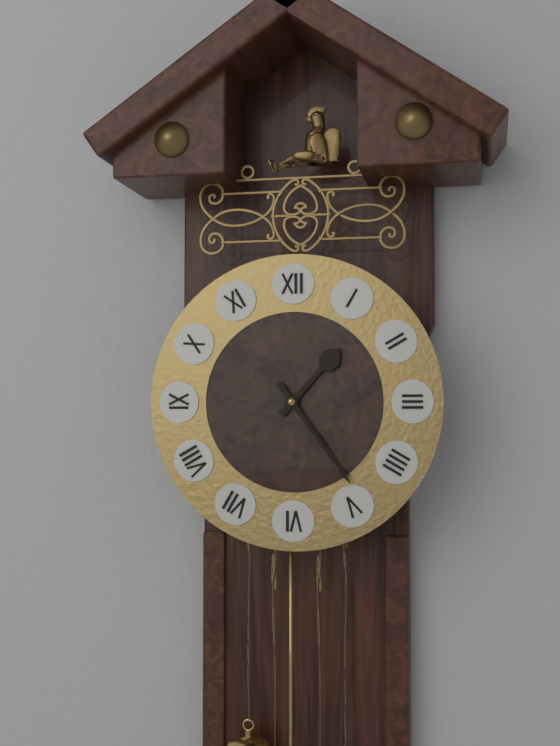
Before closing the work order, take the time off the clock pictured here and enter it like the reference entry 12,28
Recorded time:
1,24
